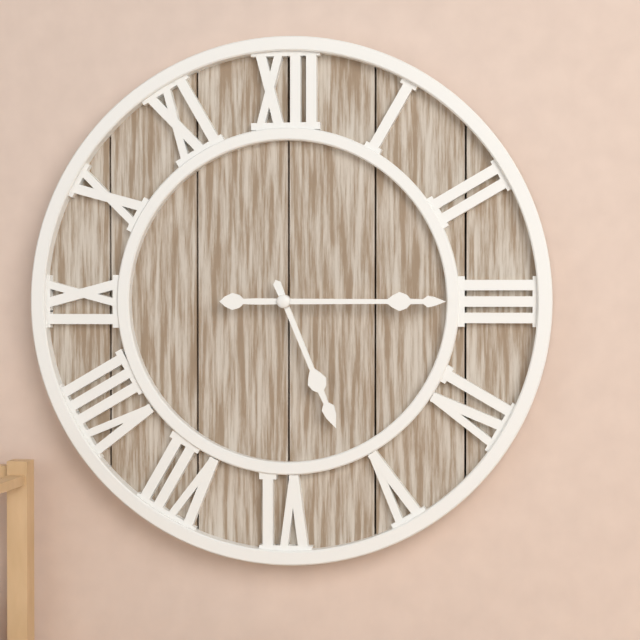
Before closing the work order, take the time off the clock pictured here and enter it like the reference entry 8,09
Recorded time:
5,15
